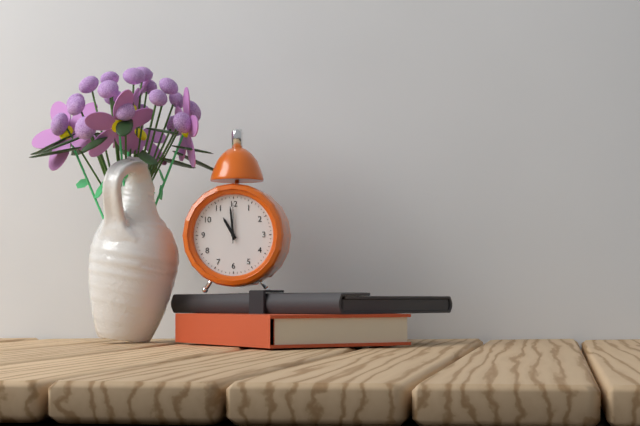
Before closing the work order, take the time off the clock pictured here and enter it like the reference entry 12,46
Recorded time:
10,59
